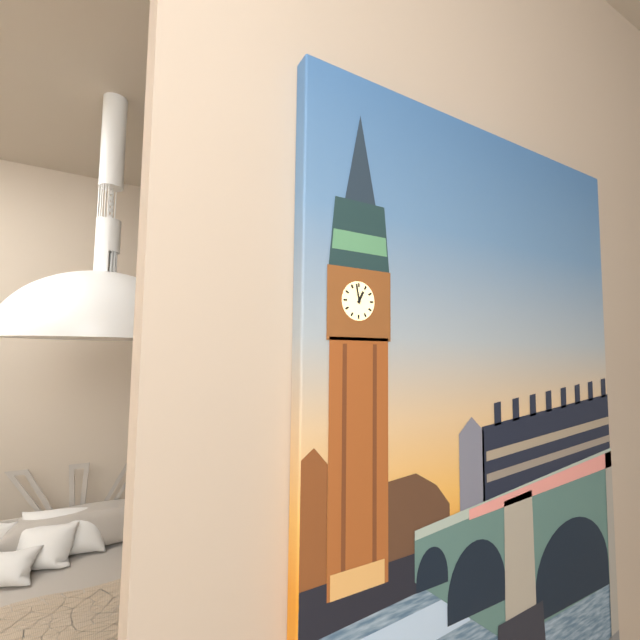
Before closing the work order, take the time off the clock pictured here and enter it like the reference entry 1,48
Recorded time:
12,58
